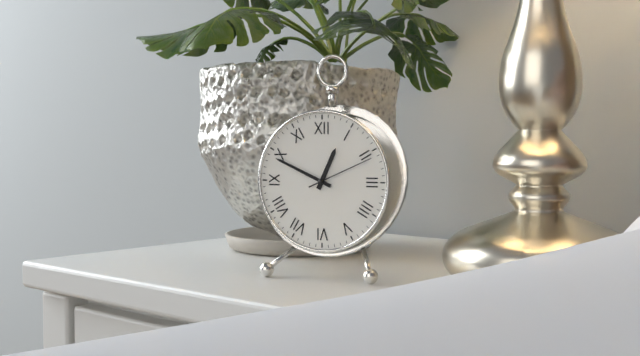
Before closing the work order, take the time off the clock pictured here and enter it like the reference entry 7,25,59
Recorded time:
12,49,11
